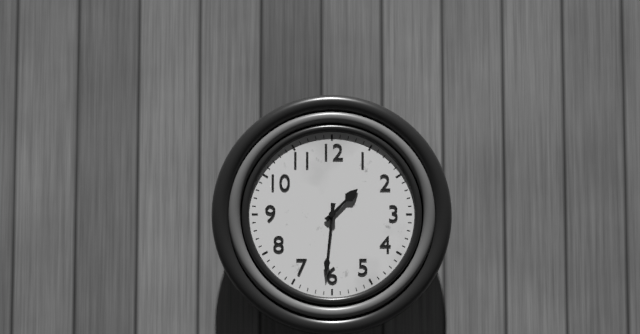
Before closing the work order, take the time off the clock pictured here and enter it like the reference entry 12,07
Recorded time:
1,31
